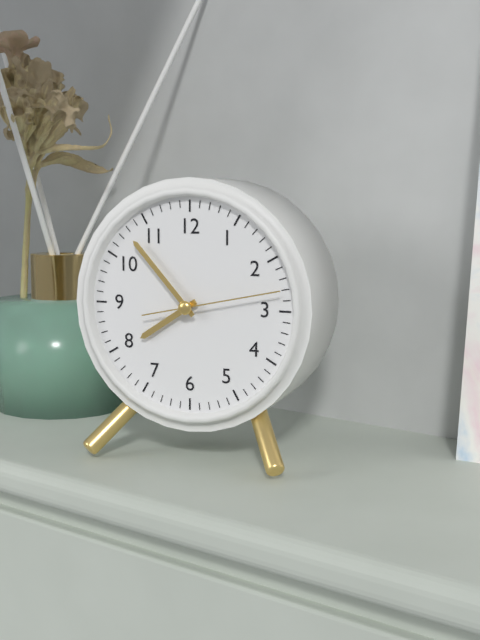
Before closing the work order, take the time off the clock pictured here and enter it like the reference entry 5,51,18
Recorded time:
7,53,13
